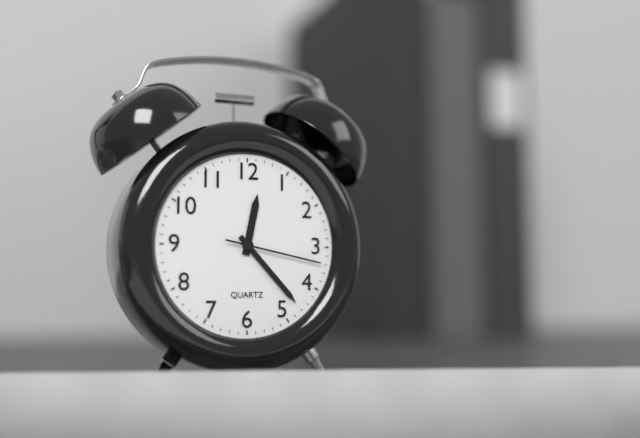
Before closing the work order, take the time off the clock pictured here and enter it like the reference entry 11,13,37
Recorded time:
12,23,17
